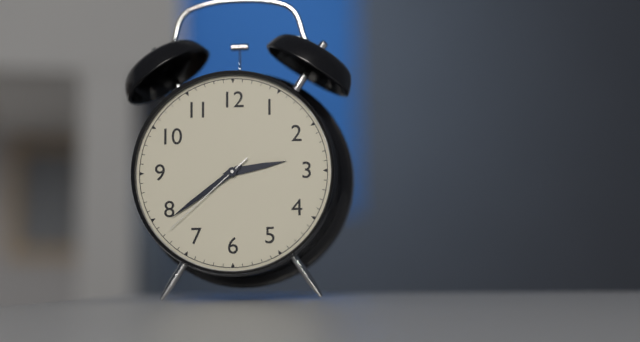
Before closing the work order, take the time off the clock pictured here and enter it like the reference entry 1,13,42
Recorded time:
2,39,38
